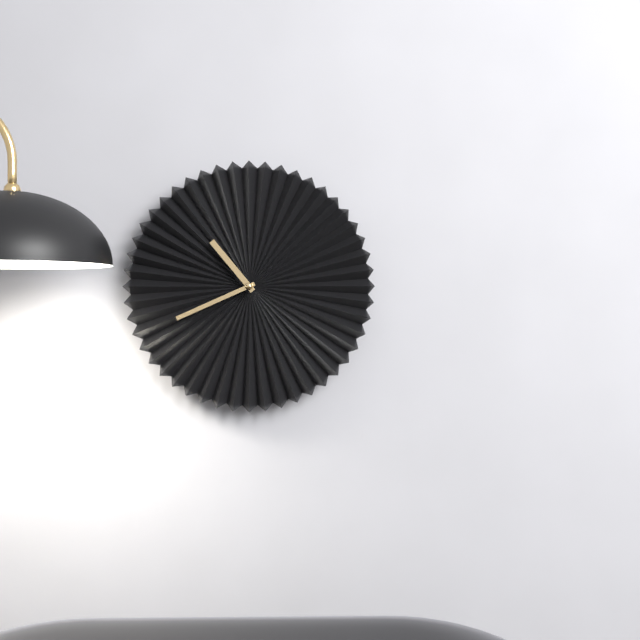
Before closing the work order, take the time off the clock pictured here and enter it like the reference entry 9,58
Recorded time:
10,41
